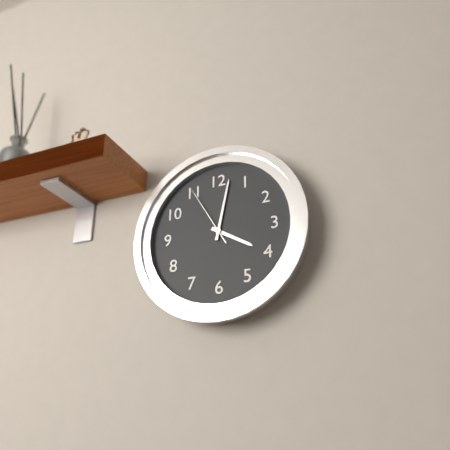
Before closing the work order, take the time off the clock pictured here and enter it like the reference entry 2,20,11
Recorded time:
4,02,55
